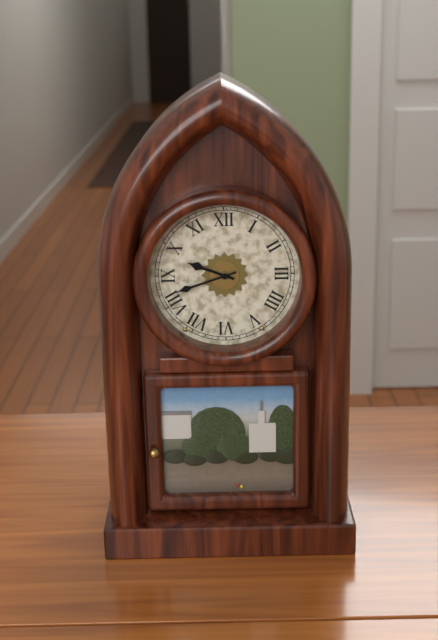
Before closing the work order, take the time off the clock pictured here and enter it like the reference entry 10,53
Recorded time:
9,42
